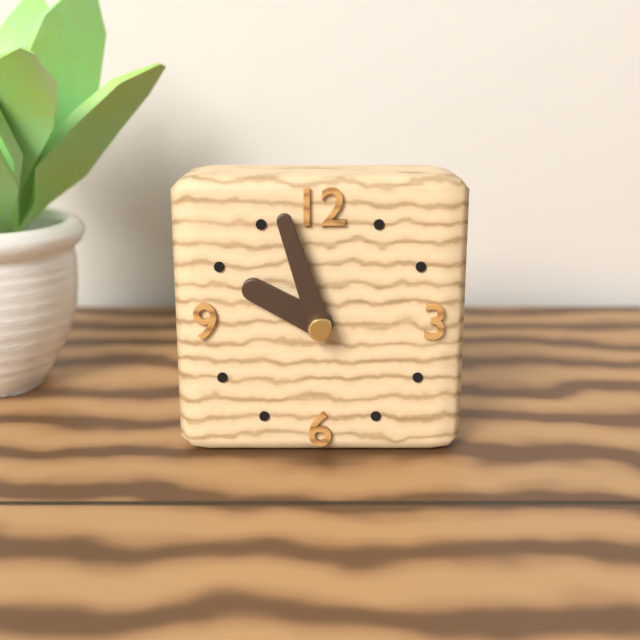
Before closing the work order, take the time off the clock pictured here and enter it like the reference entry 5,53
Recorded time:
9,57
